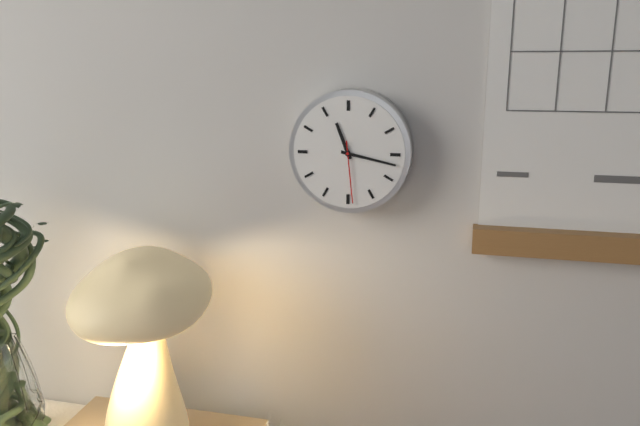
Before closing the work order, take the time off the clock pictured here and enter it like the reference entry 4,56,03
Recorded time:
11,17,29
